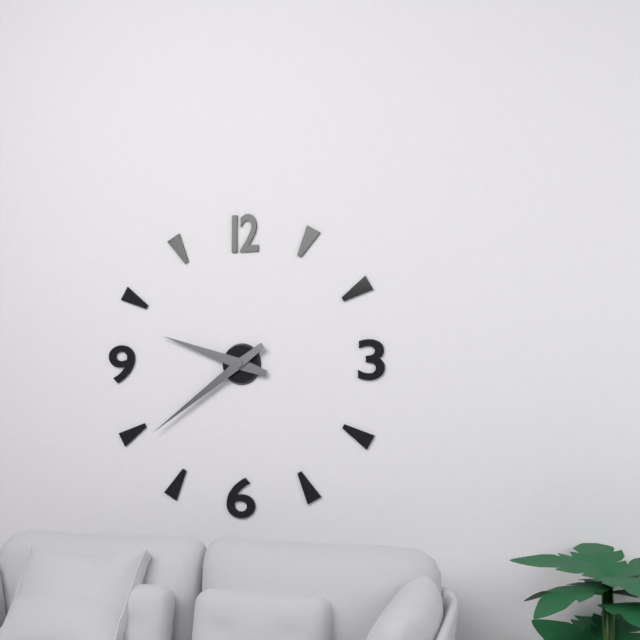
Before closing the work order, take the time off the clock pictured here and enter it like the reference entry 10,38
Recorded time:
9,39
